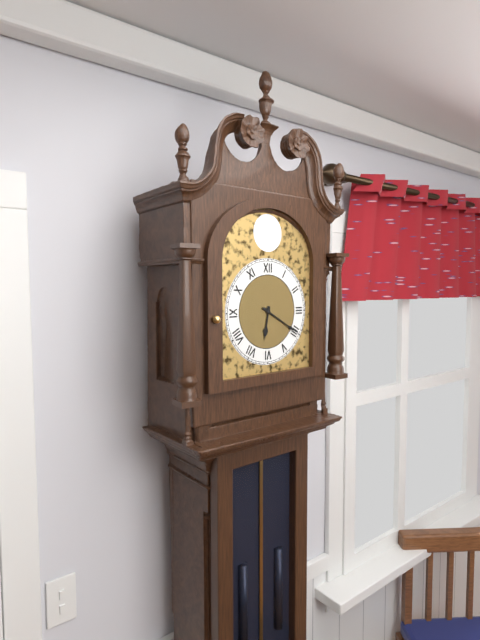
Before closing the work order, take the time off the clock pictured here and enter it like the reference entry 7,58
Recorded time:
6,20
